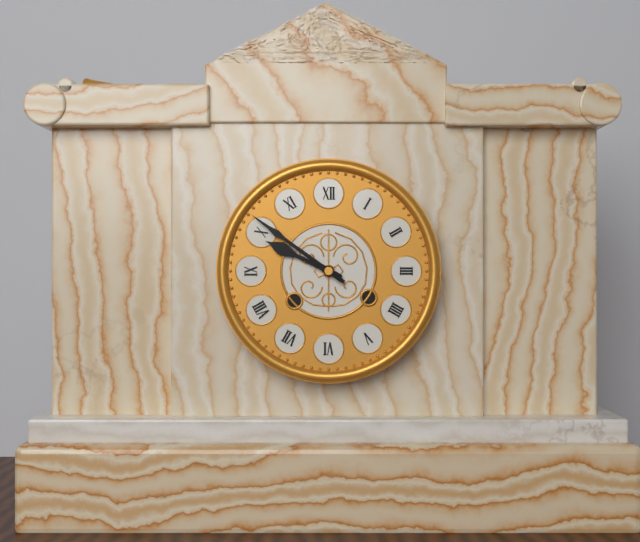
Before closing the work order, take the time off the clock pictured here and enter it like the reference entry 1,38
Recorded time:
9,51
